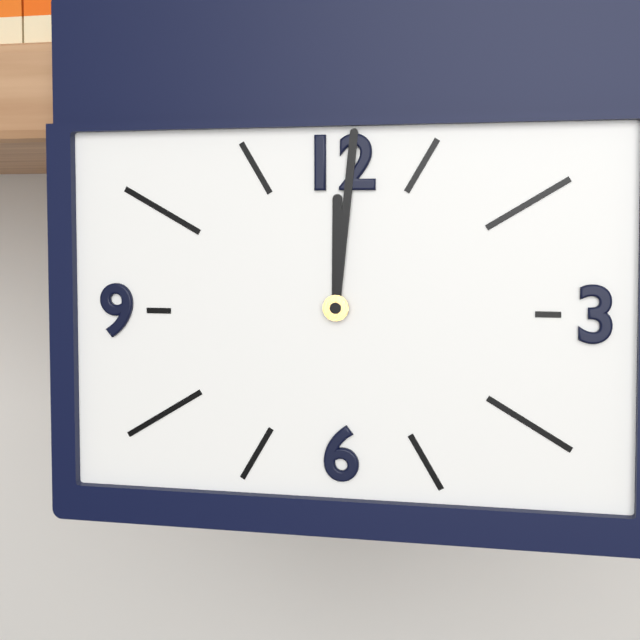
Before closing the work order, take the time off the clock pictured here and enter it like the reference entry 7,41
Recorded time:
12,01
